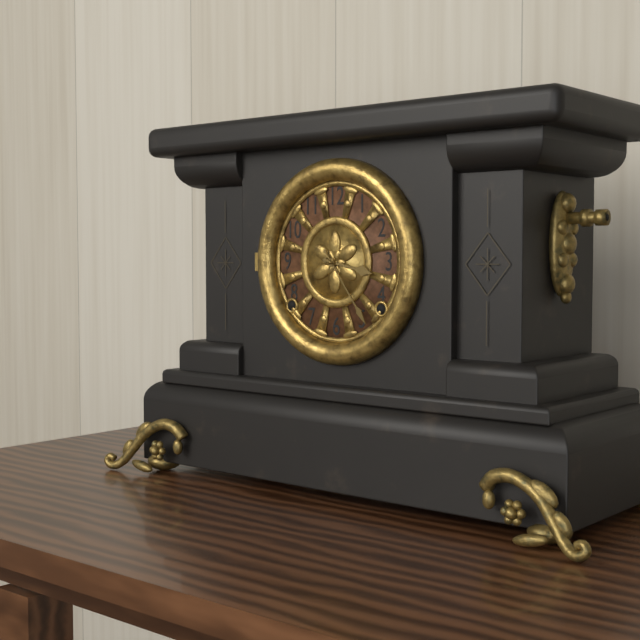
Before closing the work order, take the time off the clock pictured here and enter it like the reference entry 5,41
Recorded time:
3,24
